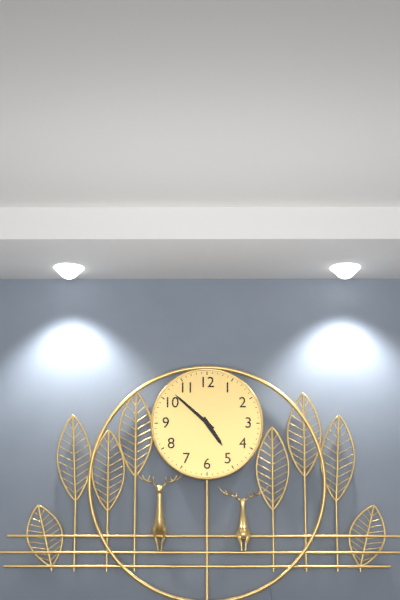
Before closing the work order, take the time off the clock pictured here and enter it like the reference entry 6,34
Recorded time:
4,52
